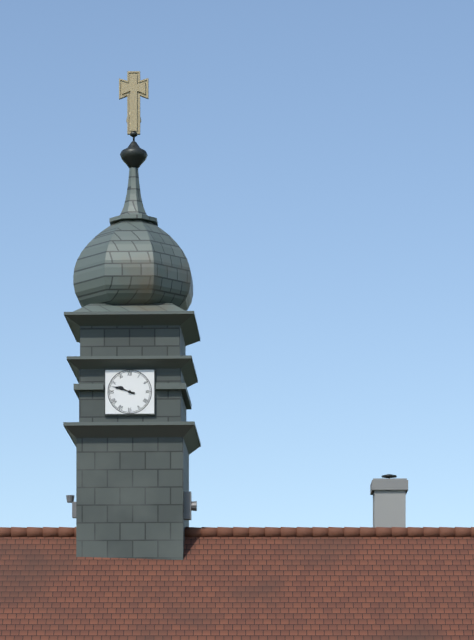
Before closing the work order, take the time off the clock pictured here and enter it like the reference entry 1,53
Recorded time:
9,48
